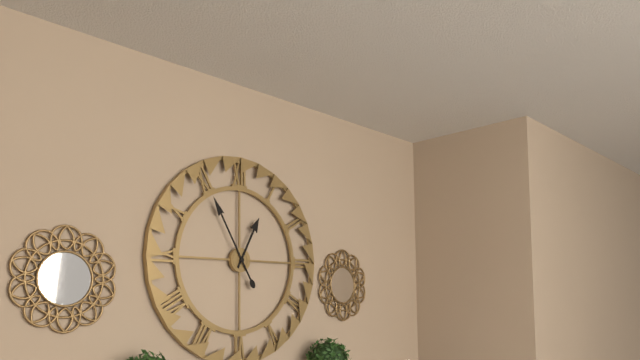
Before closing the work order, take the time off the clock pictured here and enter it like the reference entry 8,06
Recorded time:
12,55
